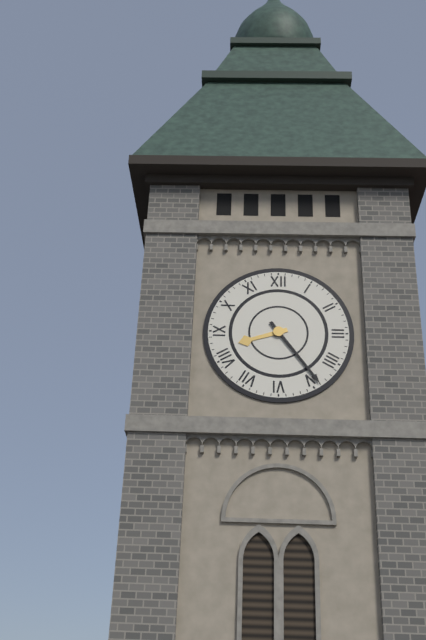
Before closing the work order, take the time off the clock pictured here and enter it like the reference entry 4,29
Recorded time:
8,24
